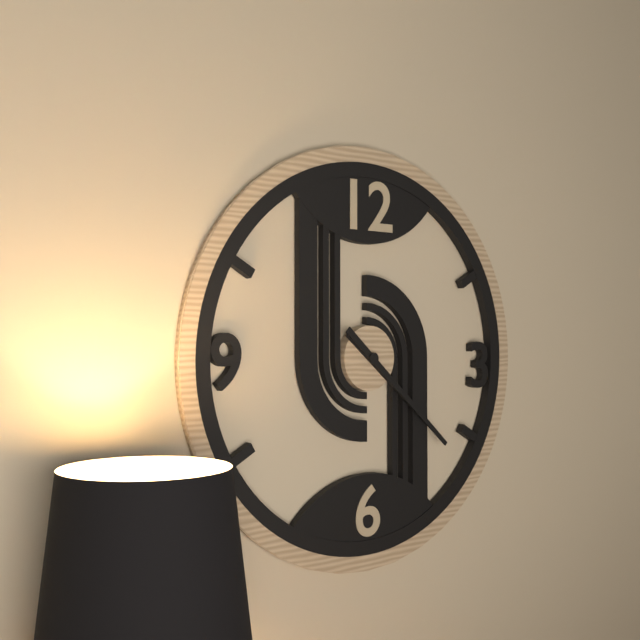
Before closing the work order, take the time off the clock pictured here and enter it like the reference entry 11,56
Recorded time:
4,22
